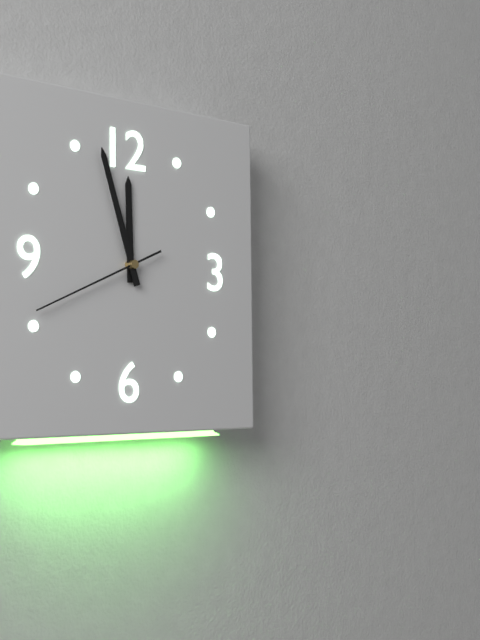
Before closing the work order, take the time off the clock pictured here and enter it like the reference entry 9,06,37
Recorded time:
11,57,41
